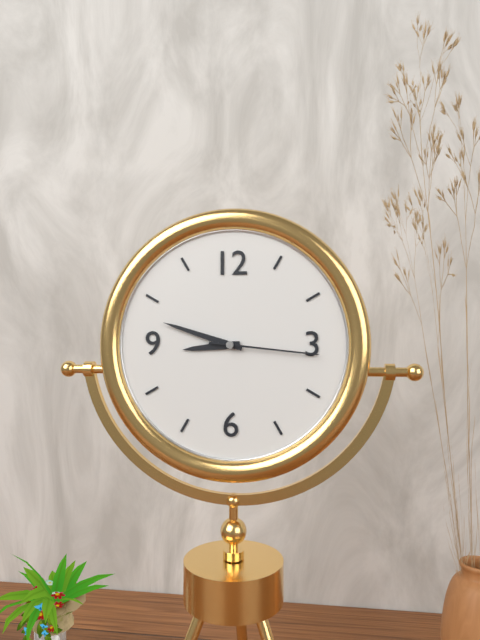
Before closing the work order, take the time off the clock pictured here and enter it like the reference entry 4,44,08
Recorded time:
8,48,16
